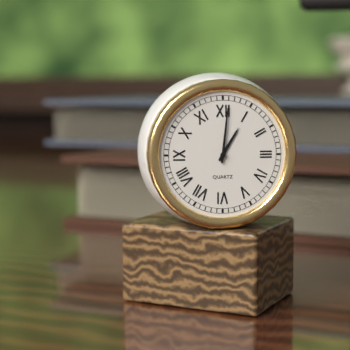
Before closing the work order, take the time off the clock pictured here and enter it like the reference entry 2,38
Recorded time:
1,01
